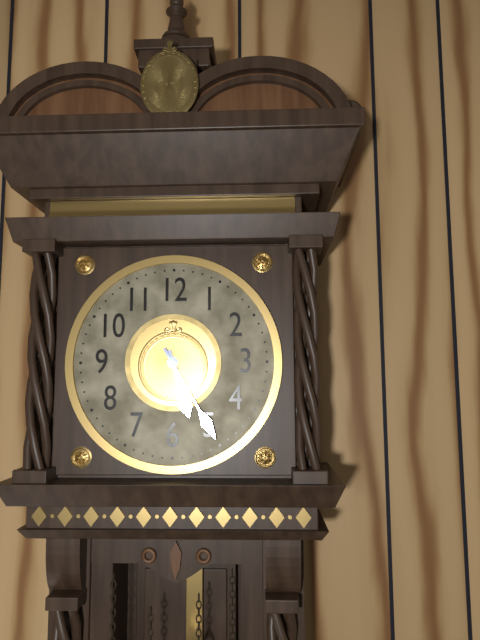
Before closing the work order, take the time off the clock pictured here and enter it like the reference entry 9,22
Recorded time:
5,25
